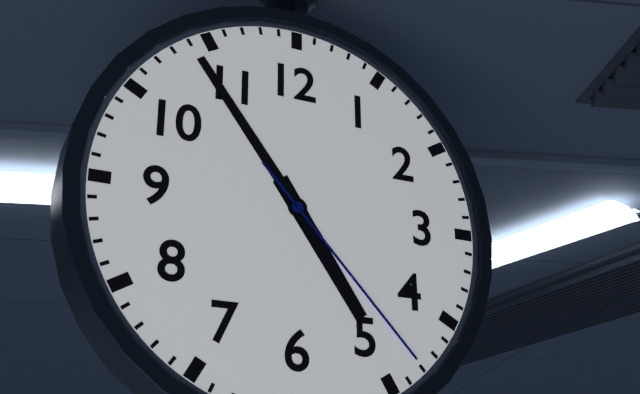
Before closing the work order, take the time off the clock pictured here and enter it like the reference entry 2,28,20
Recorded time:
4,54,23
